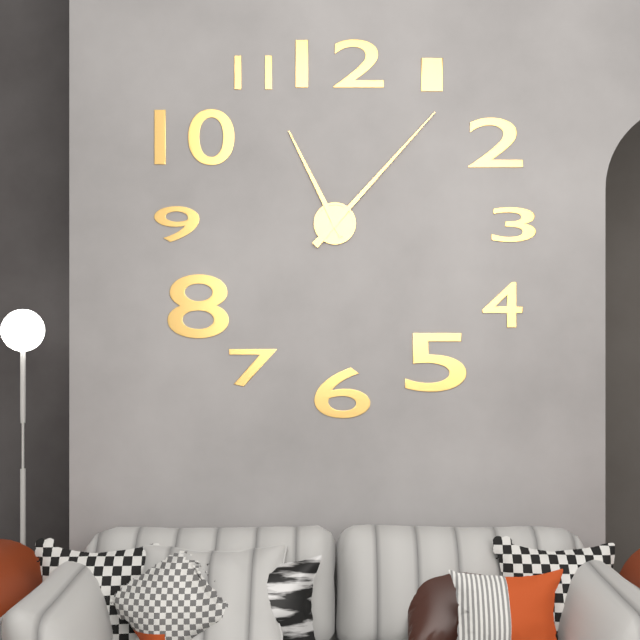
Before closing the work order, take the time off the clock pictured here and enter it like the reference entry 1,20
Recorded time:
11,07
